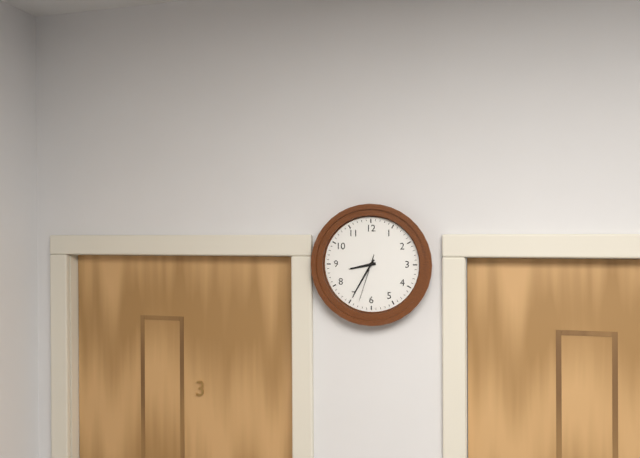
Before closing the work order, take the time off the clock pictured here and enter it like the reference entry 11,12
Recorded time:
8,35
